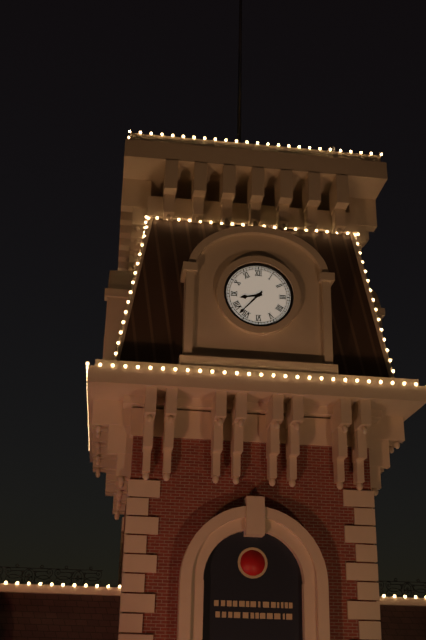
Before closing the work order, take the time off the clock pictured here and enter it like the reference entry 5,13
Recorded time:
8,37
